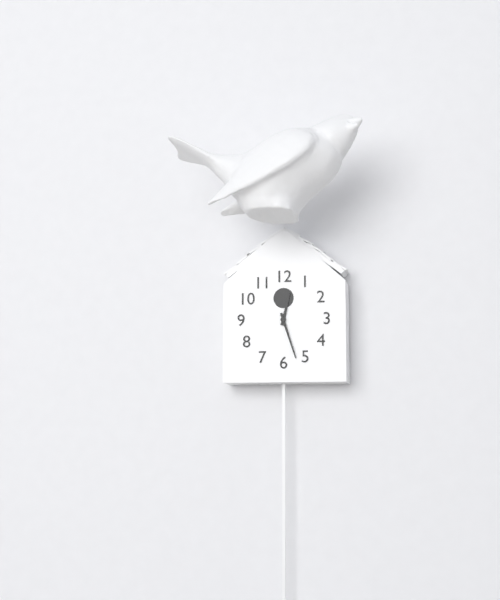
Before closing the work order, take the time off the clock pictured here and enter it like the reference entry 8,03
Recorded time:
12,27
